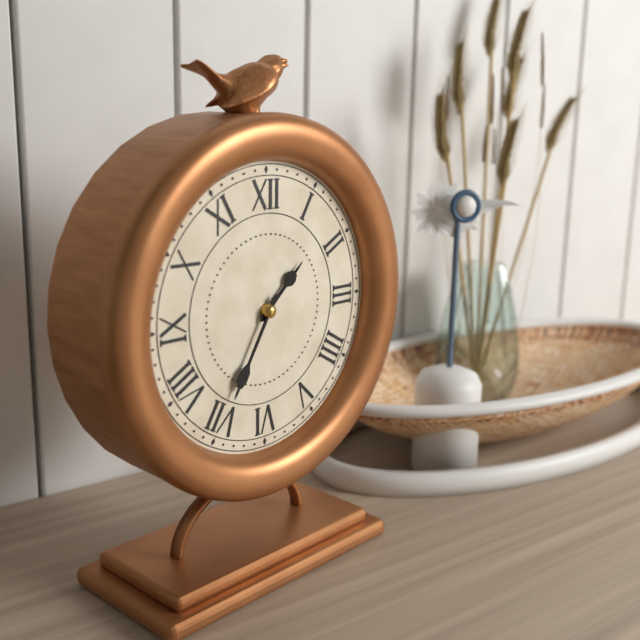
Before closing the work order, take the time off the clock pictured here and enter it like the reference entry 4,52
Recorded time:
1,35
